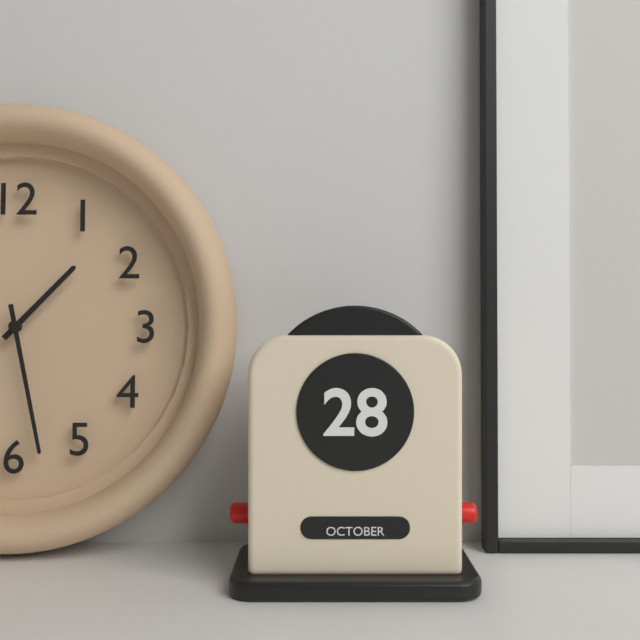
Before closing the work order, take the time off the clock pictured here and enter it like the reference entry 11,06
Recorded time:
1,28
